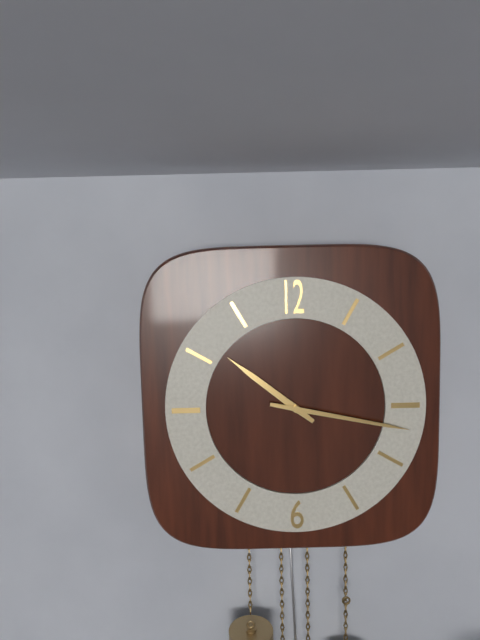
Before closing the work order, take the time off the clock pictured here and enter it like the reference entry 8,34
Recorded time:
10,17
